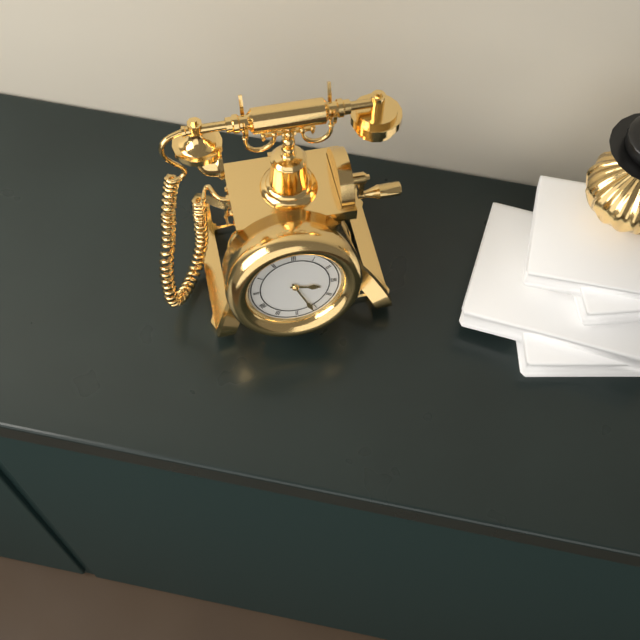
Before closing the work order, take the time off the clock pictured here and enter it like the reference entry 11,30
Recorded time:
3,26
